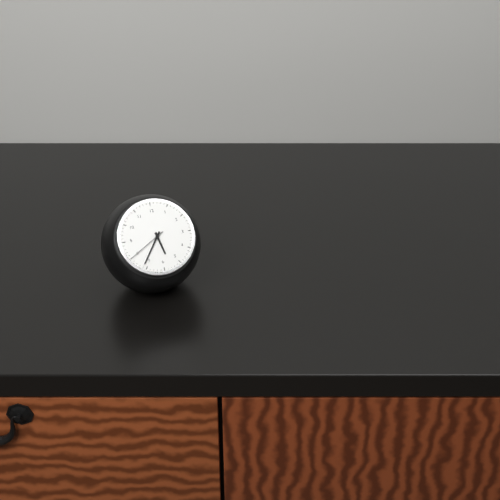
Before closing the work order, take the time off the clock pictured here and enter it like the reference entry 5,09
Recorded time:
5,36
